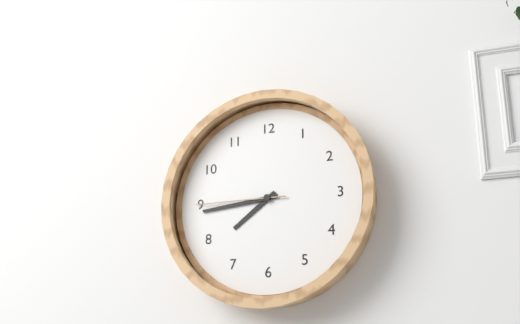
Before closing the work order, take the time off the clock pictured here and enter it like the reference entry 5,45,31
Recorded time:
7,44,45
